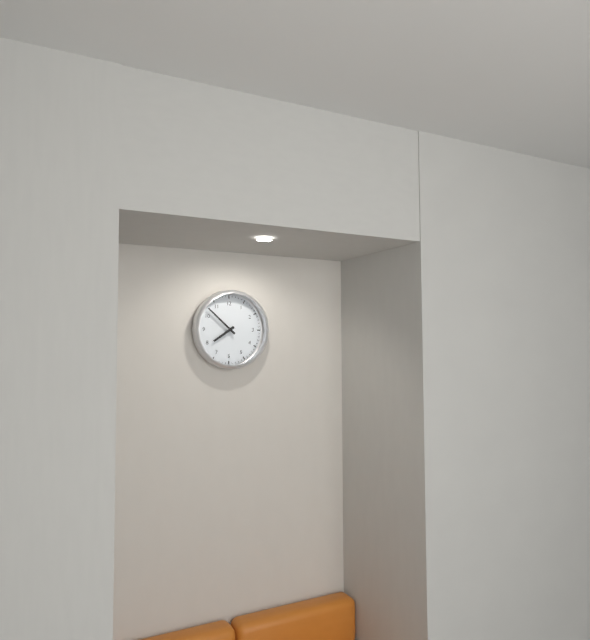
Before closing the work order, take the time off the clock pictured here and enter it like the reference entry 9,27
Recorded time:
7,52
